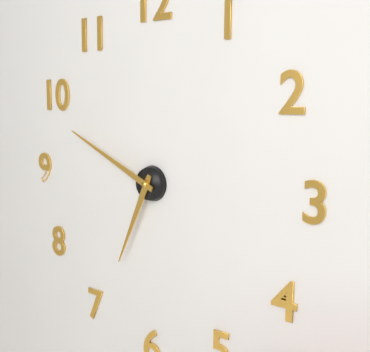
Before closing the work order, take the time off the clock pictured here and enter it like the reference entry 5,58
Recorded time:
6,49
